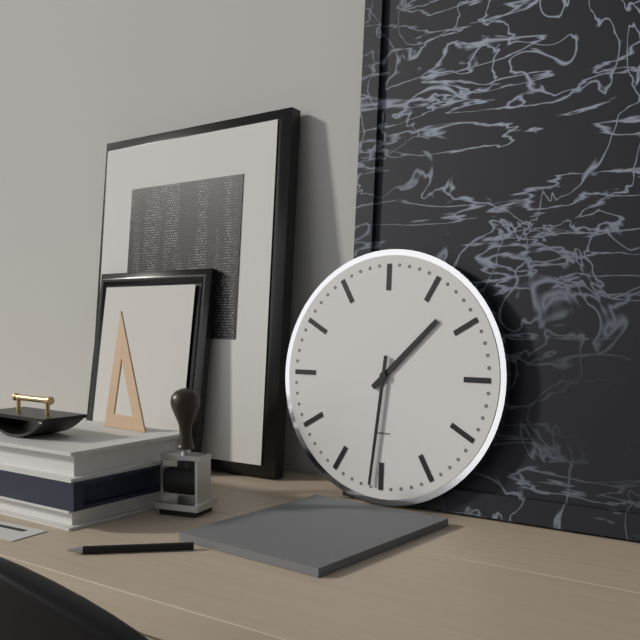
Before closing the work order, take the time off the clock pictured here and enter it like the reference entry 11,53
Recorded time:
1,31
